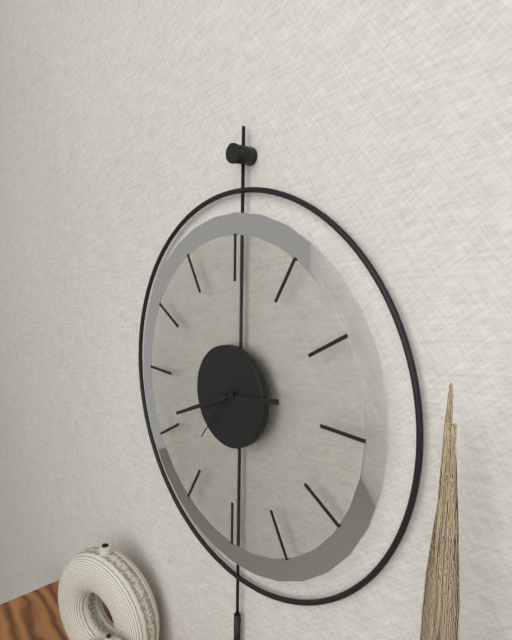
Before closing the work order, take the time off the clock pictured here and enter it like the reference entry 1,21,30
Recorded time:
2,41,36
